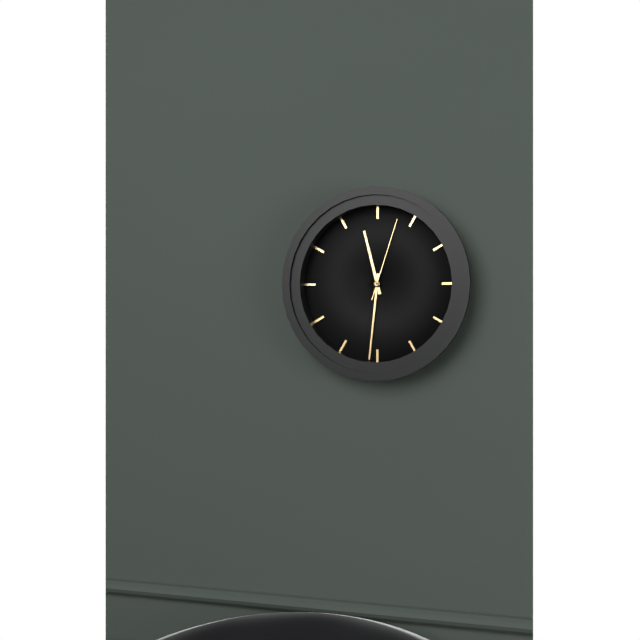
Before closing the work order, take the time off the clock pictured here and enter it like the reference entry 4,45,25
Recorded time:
11,31,03
